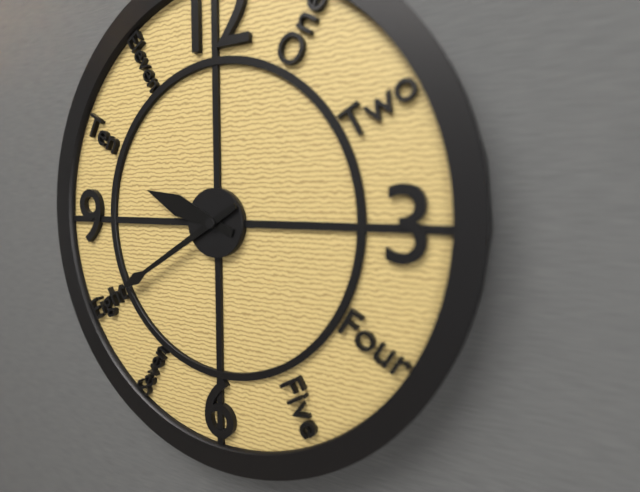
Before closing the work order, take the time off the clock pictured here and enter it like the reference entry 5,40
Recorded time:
9,40
